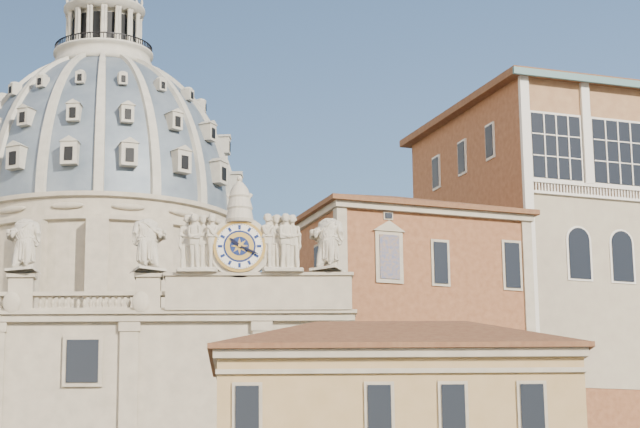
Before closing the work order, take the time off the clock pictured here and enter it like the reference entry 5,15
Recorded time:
10,19
